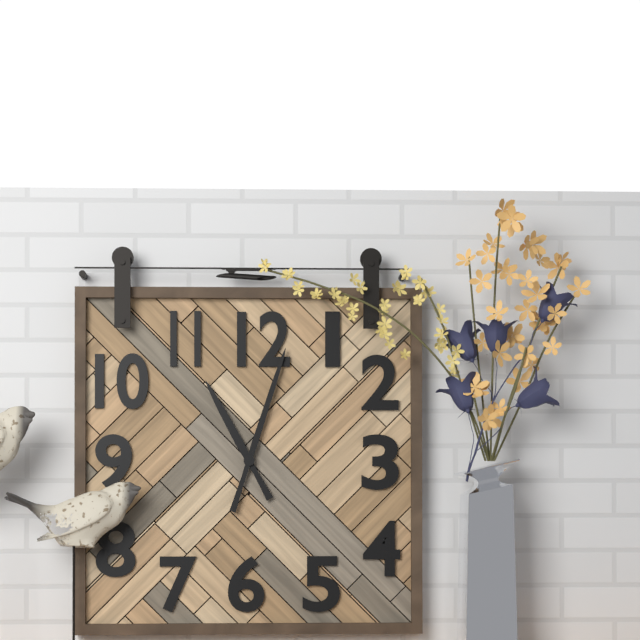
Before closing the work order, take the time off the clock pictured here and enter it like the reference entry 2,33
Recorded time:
11,03
